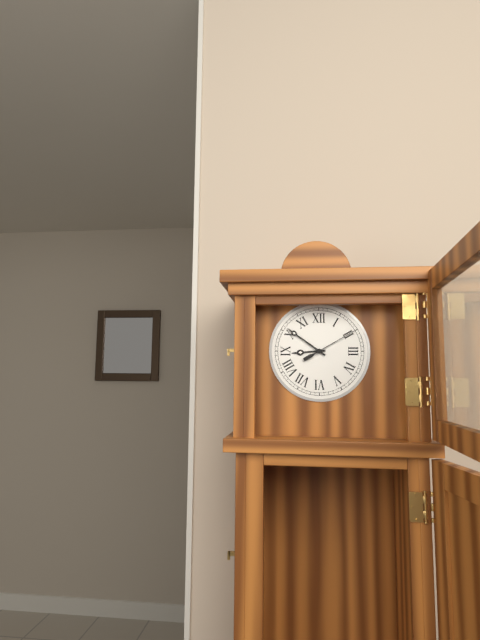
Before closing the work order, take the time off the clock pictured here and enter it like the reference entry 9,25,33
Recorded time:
8,51,10
